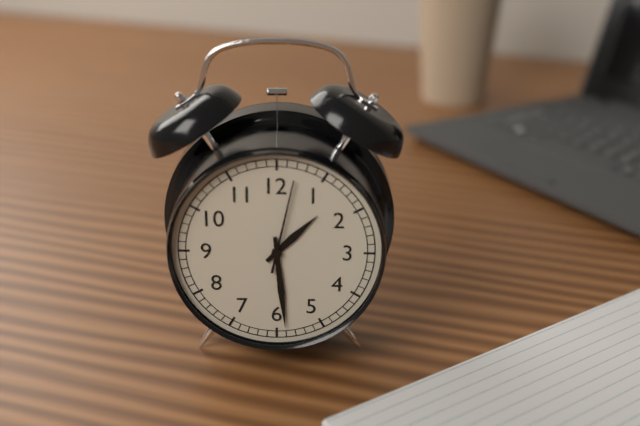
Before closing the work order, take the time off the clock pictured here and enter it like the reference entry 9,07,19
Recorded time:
1,29,02
